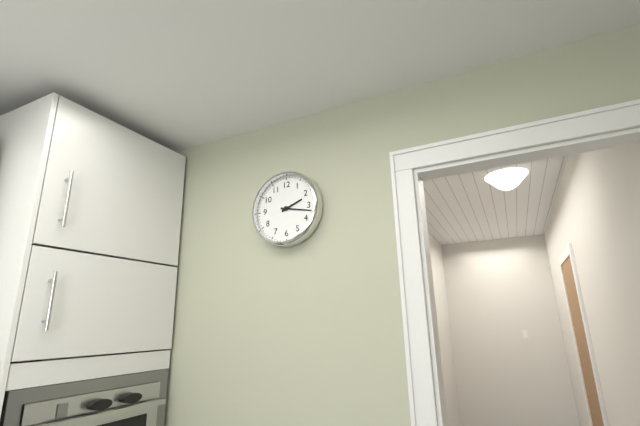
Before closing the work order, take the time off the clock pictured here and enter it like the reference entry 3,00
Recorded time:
2,17
